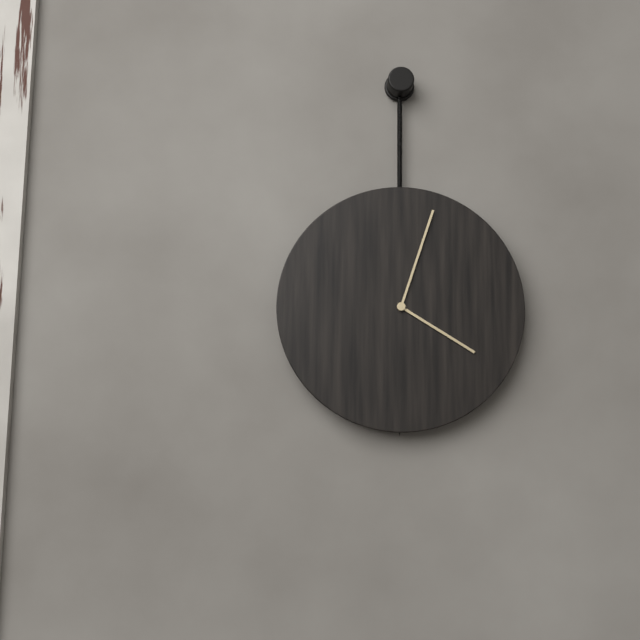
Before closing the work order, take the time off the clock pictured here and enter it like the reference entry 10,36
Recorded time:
4,03
